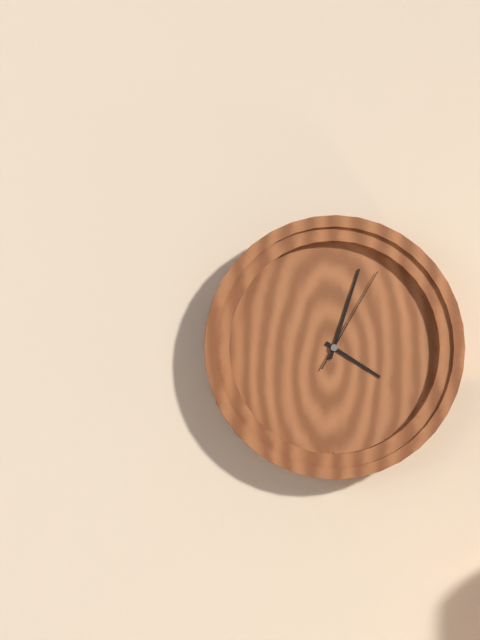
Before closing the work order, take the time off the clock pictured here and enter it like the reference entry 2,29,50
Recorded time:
4,03,05
